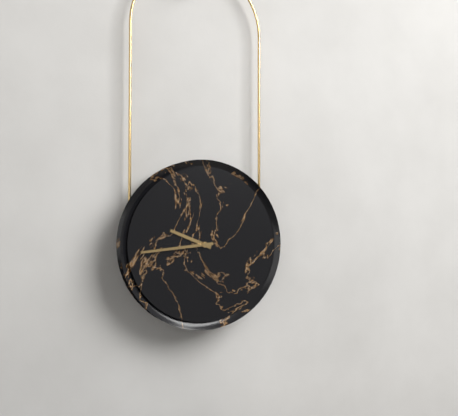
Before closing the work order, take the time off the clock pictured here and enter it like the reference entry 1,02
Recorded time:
9,44
